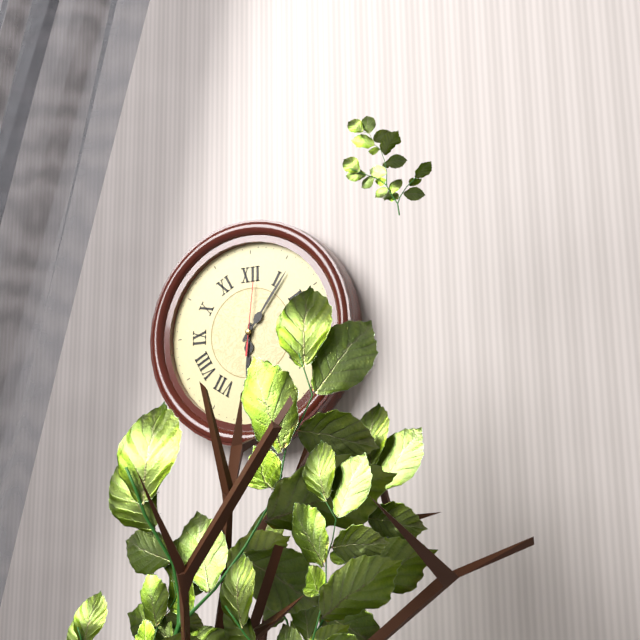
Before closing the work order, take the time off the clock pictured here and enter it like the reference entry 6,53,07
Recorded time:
6,06,01
